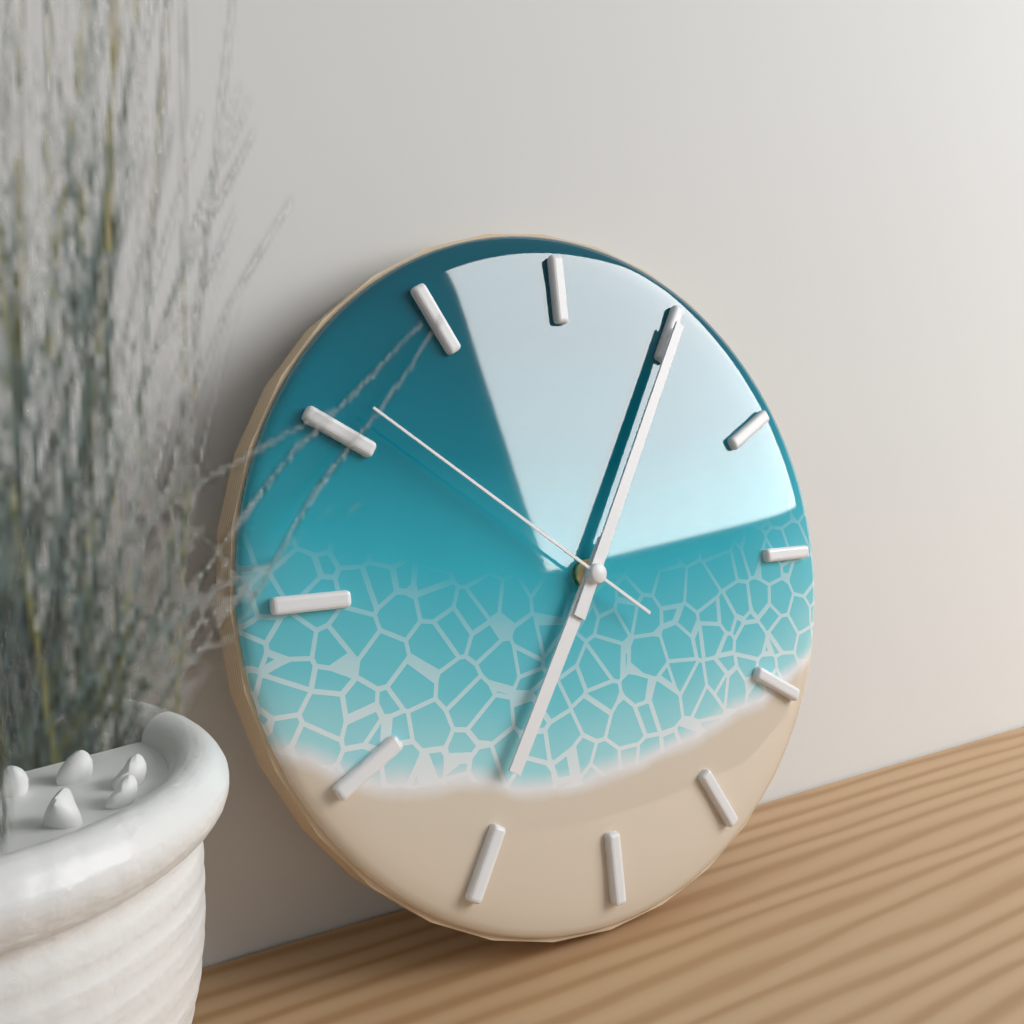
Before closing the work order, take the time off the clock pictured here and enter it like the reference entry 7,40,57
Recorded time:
7,05,51
